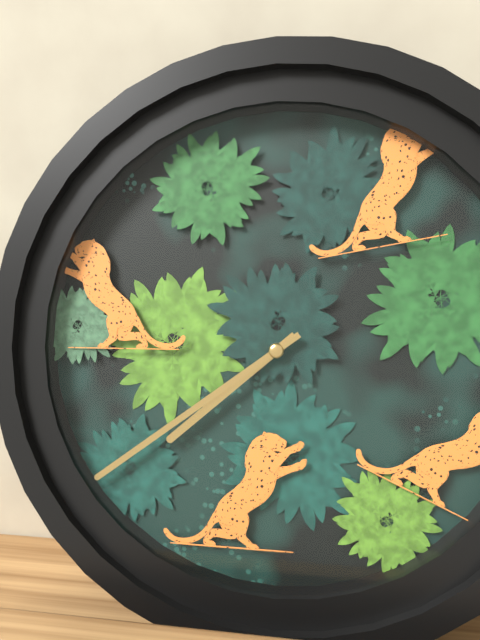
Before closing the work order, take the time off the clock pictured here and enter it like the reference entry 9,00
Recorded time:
7,39
